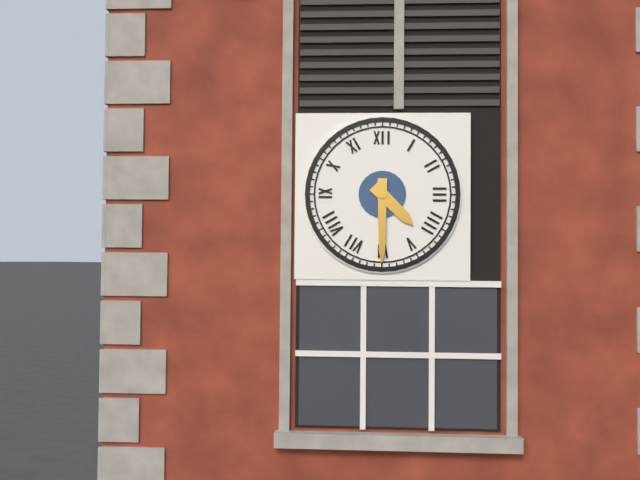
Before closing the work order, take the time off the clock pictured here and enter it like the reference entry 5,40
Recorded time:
4,30
